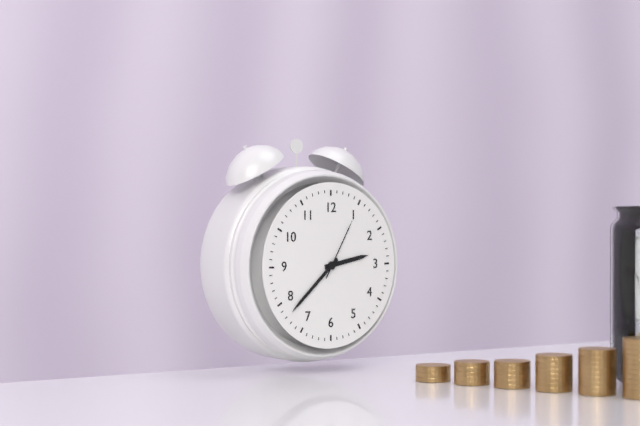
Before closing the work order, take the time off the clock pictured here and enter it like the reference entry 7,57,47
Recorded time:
2,38,05
